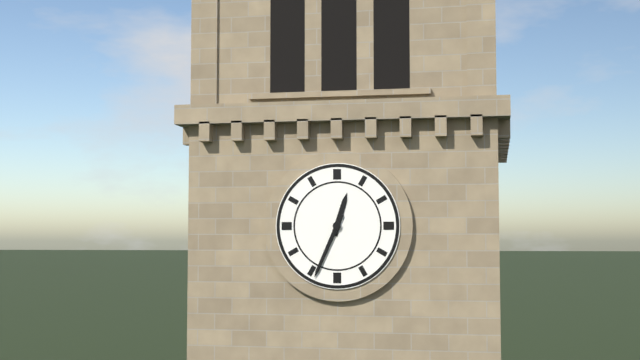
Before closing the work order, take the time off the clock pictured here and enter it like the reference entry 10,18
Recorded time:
12,34
